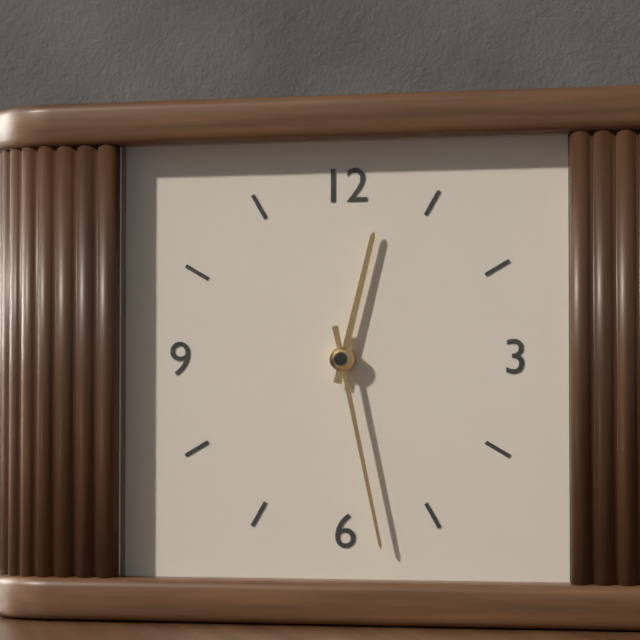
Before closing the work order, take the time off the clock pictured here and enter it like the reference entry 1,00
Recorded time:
12,28
